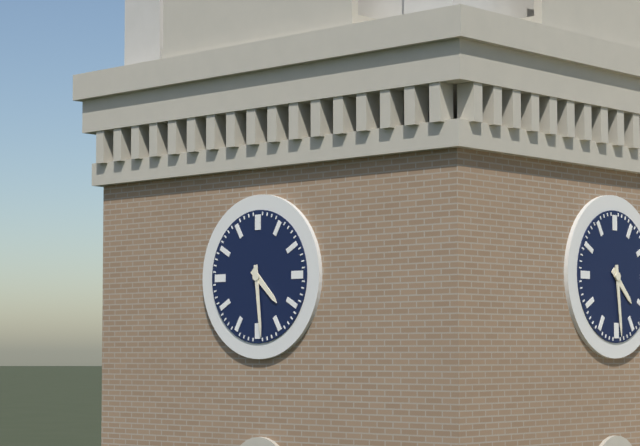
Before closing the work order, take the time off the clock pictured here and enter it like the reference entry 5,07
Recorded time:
4,29
